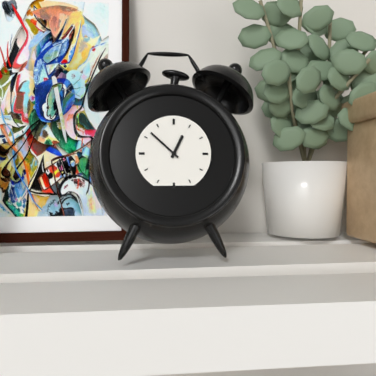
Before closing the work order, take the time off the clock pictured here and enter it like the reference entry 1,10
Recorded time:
12,52
